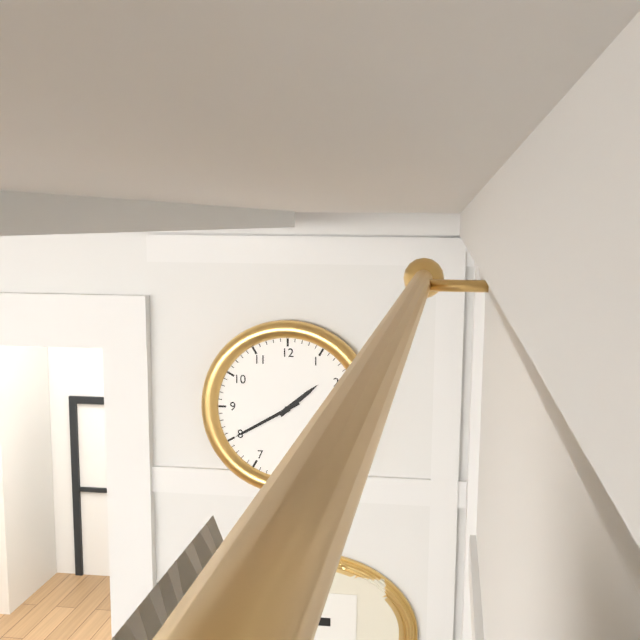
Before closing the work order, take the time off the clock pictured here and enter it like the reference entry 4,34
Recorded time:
1,40
